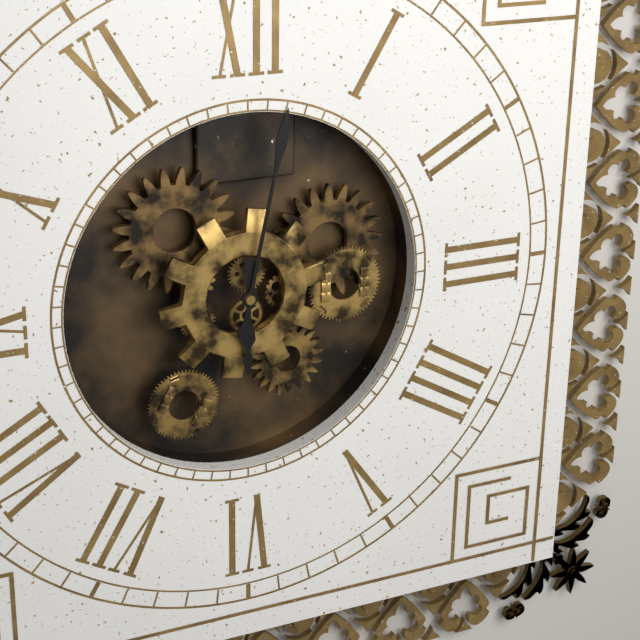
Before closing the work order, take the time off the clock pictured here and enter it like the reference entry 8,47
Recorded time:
6,02
